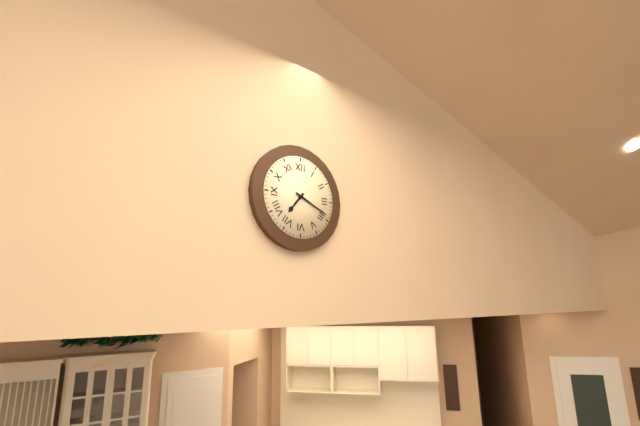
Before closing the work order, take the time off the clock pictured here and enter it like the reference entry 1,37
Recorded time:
7,19
